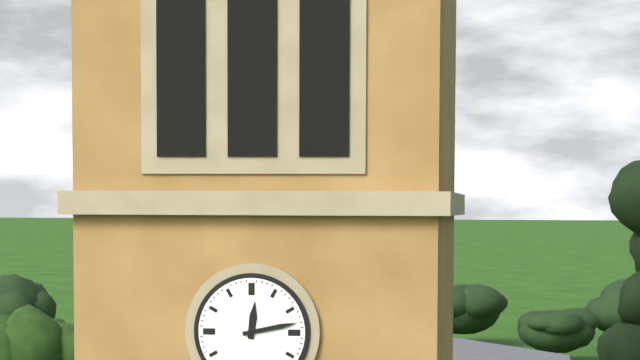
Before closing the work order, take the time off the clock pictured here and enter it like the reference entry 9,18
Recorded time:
12,13
